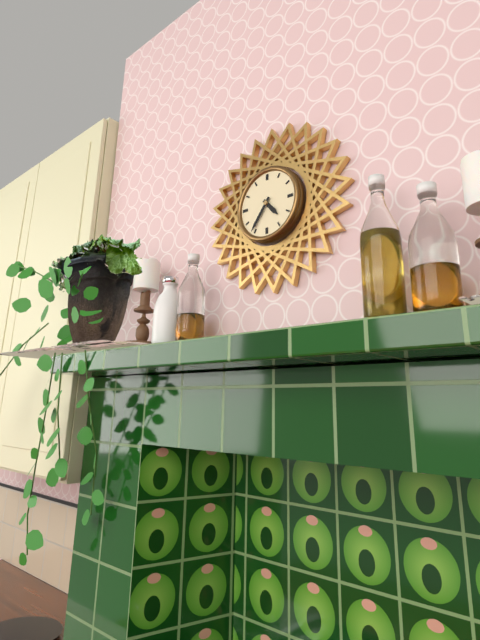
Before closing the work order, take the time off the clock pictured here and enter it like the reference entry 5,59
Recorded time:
4,36
